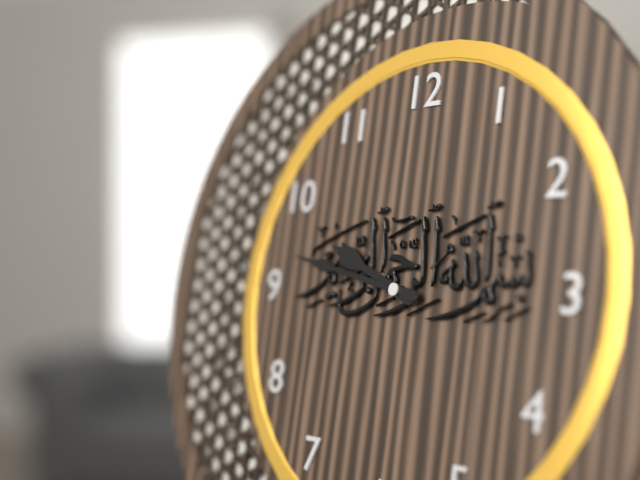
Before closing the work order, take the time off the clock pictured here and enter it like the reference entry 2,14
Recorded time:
9,47
